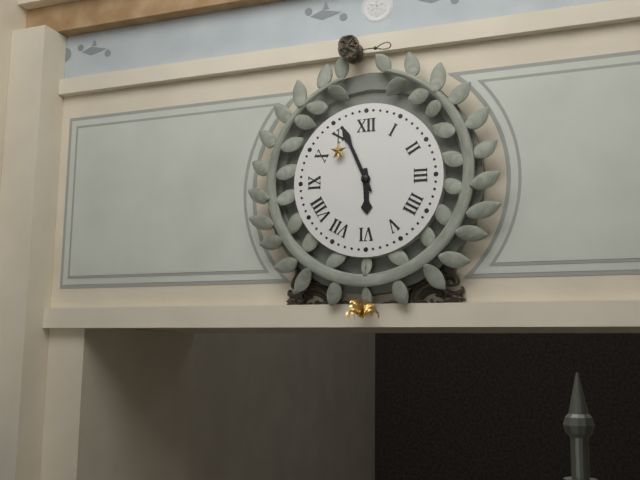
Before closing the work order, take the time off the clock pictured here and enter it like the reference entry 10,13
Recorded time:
5,56
